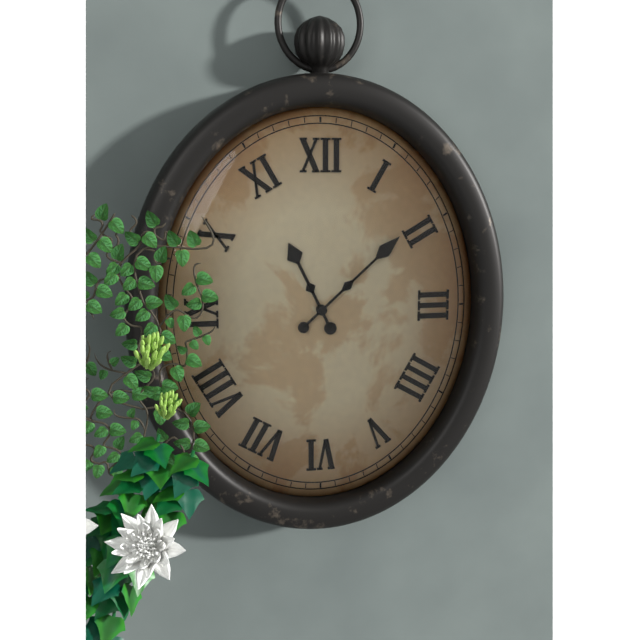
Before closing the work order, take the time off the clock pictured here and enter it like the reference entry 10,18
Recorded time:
11,08
